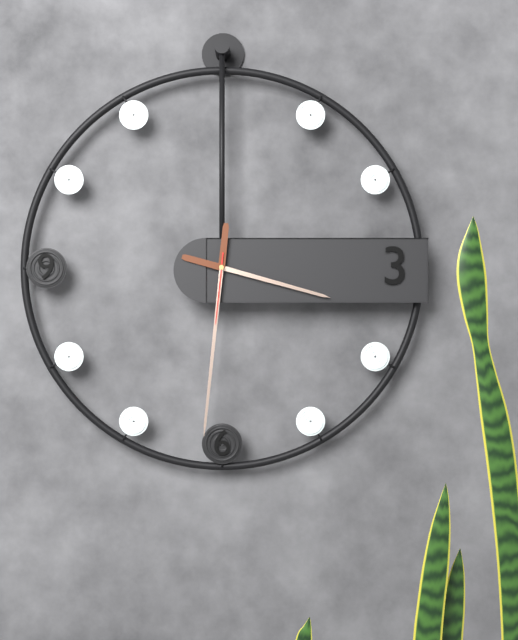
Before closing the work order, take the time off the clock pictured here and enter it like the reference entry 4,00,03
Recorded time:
3,31,31
